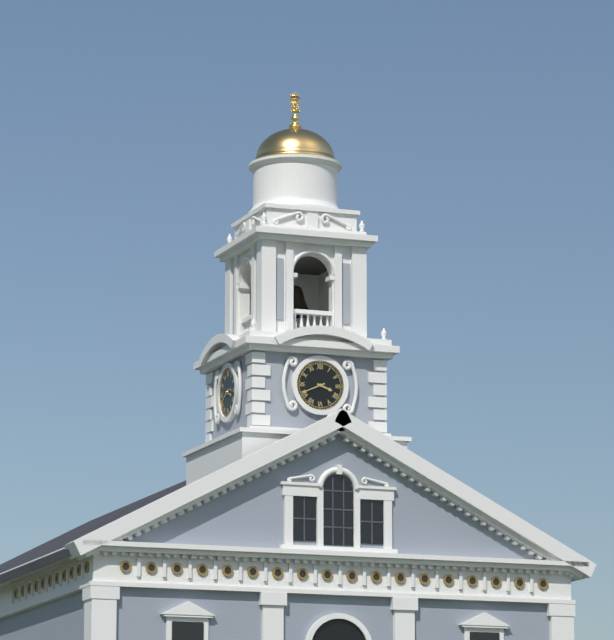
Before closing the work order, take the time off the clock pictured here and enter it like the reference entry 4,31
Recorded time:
3,41
